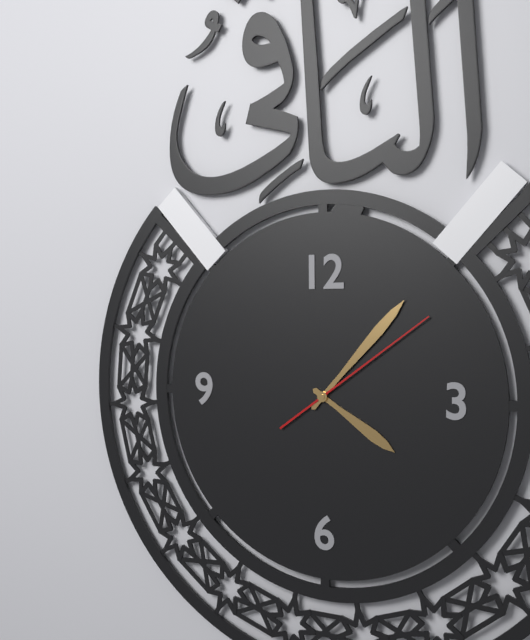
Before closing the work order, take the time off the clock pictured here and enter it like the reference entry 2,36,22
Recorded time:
4,07,09
